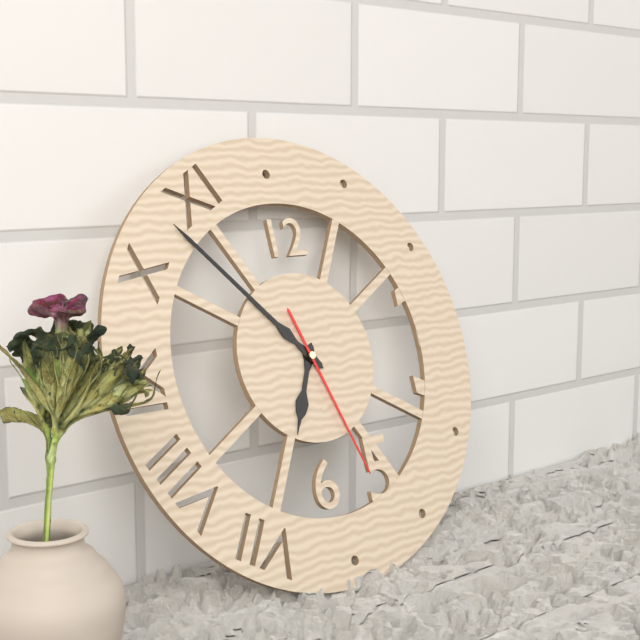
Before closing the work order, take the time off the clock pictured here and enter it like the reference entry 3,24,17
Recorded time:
6,53,27
